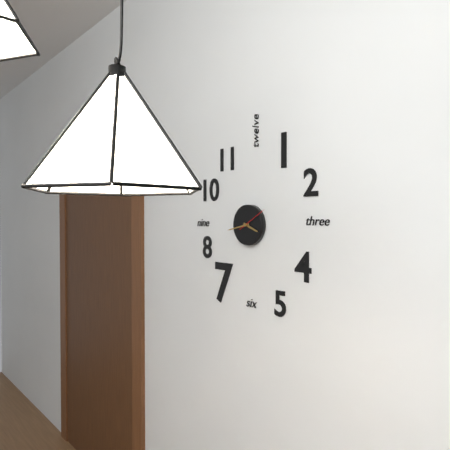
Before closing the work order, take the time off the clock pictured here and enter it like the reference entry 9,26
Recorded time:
3,43
